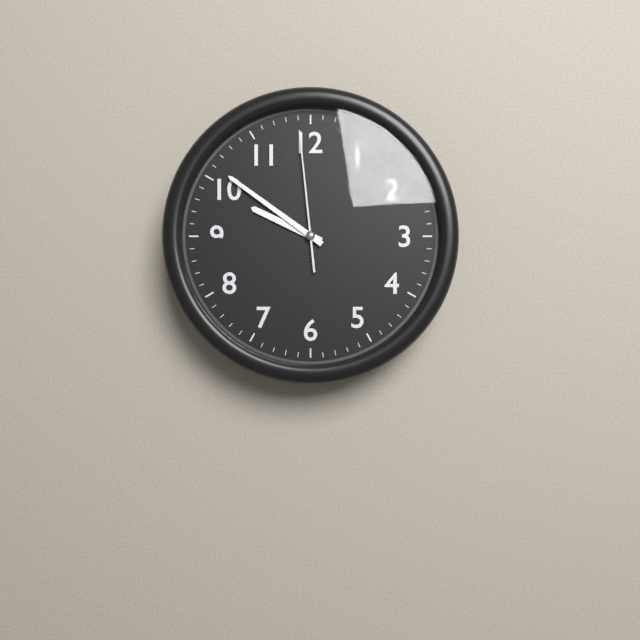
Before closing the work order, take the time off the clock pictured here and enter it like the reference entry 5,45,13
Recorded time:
9,51,59
